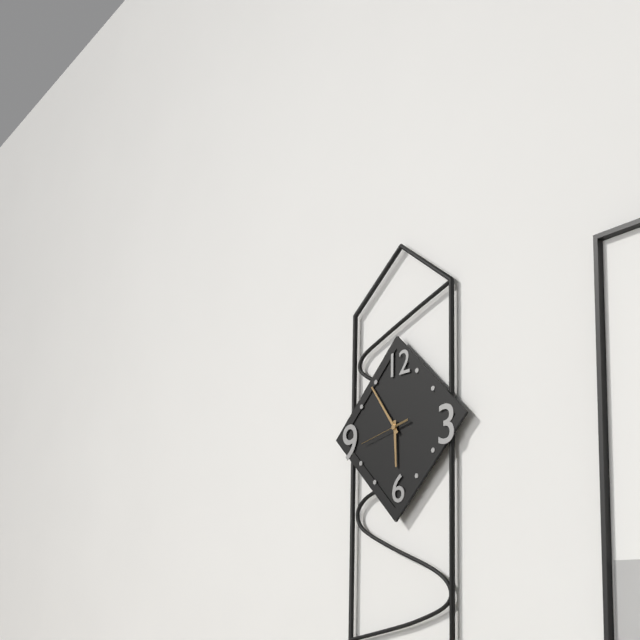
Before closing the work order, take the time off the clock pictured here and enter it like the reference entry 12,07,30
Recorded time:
5,54,43
